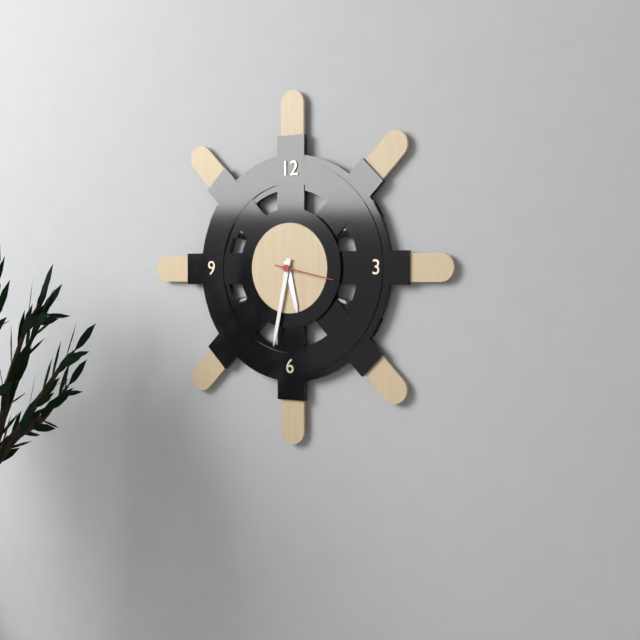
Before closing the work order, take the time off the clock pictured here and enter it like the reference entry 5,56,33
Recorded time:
5,32,17
